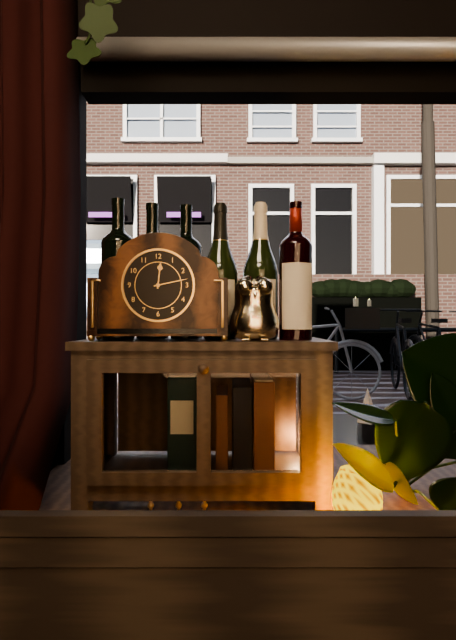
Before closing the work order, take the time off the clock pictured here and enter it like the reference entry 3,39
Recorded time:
12,13
